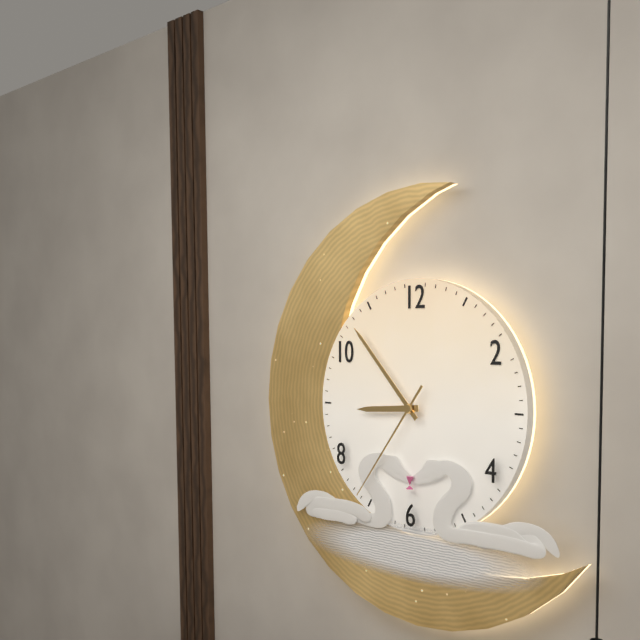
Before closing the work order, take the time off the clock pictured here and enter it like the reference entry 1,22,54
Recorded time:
8,53,36
